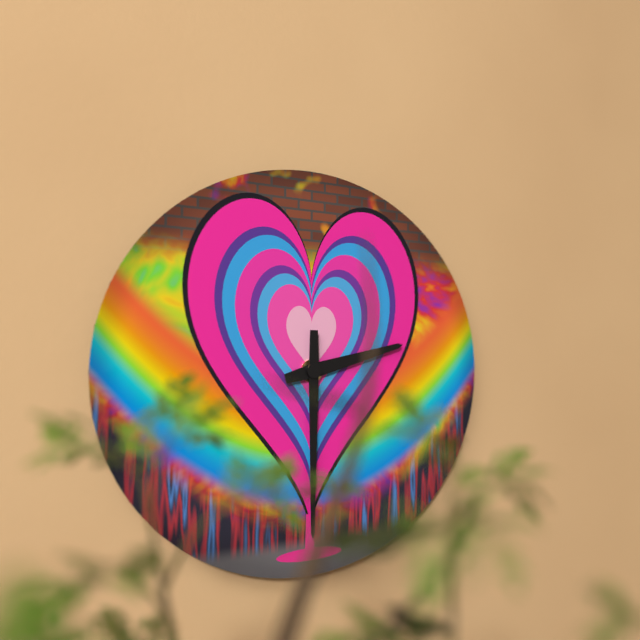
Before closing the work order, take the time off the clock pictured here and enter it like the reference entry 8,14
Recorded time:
2,30
